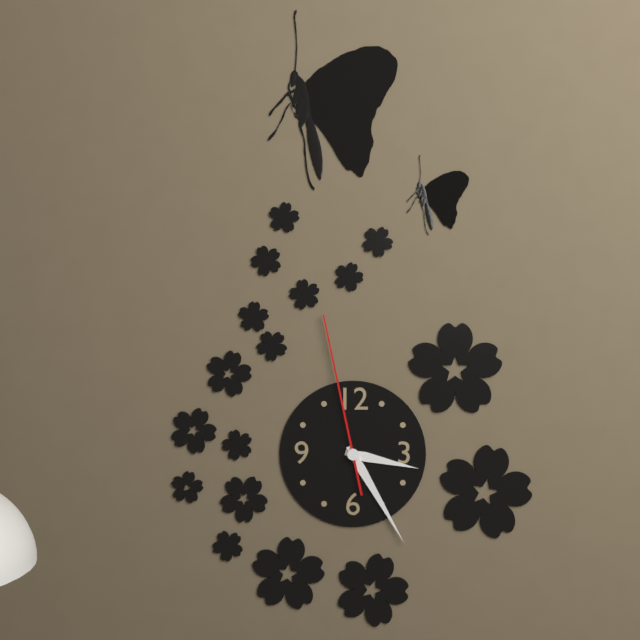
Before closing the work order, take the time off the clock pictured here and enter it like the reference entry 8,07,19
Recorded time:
3,25,58
